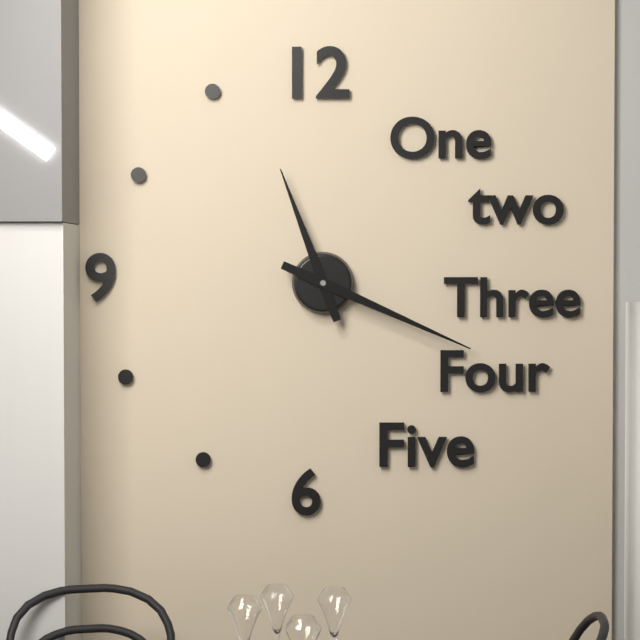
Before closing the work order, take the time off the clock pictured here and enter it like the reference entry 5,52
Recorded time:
11,19
